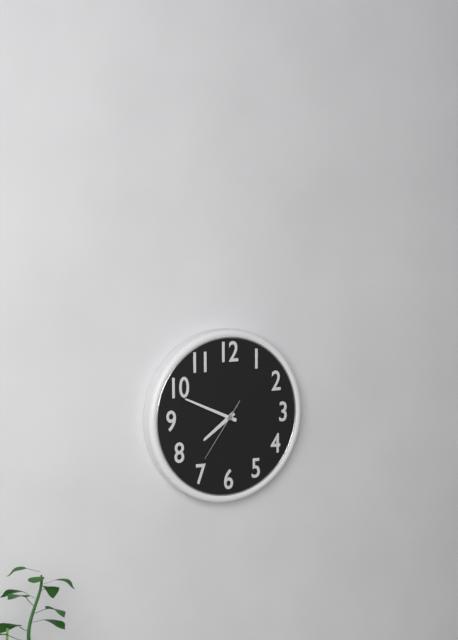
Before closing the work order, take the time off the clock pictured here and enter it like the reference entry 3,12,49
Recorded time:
7,49,36
